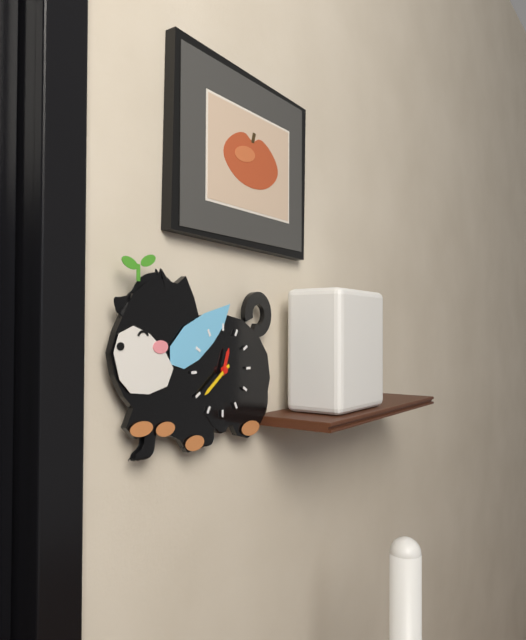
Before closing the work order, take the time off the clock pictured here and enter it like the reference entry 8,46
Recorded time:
12,39
